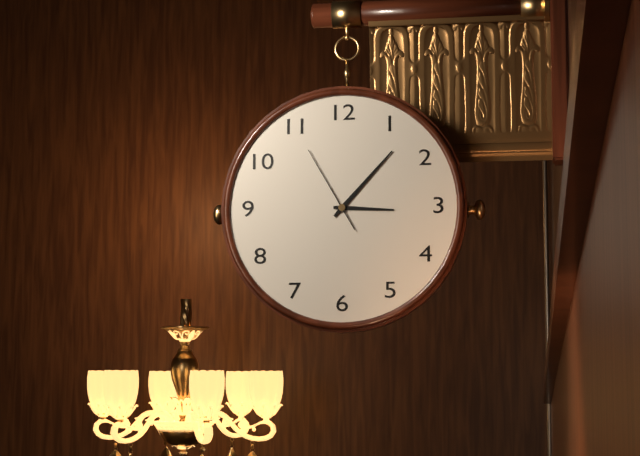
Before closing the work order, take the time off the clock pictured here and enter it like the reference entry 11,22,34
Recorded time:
3,07,55
